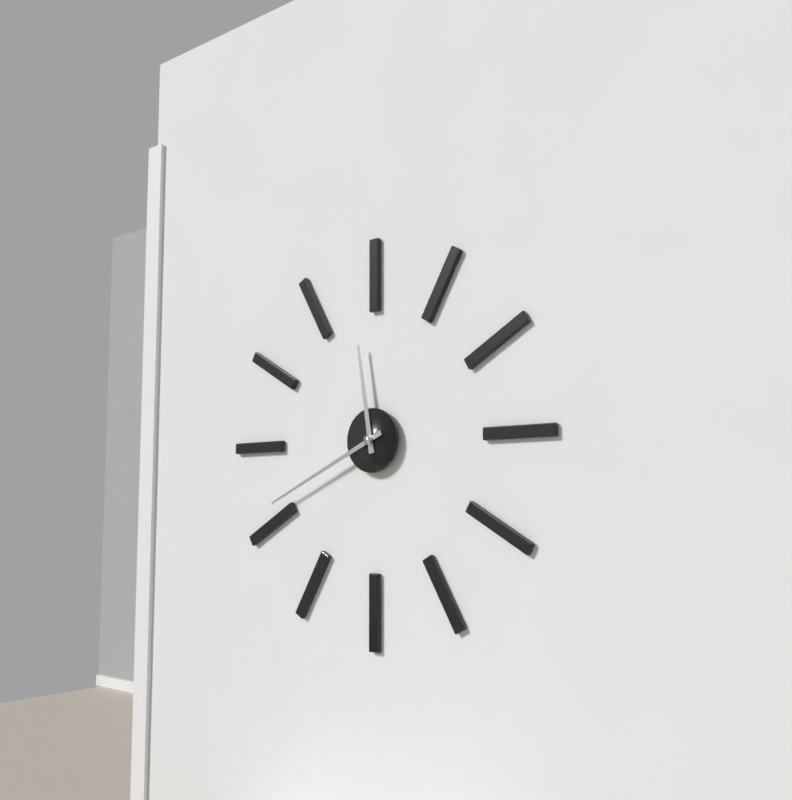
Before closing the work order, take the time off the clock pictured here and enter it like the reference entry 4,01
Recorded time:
11,41
